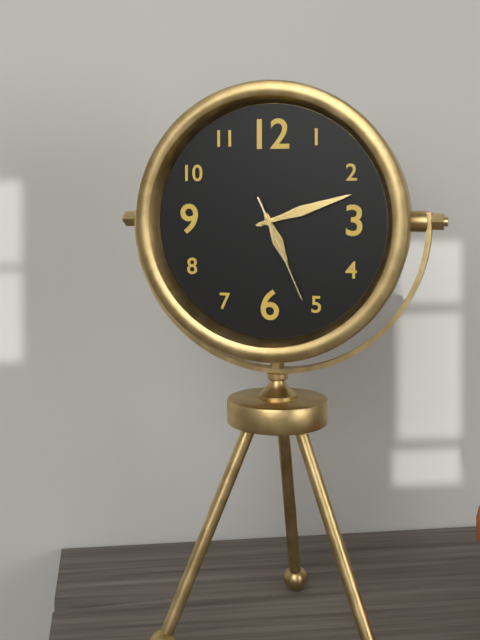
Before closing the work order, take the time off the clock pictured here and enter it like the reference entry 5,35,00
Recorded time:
5,12,26
